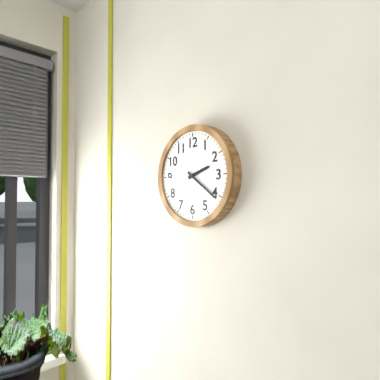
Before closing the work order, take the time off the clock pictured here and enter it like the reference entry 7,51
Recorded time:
2,21
